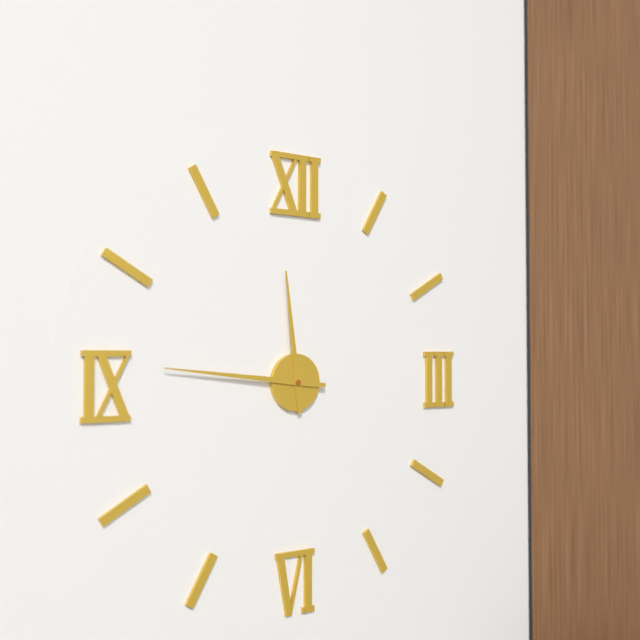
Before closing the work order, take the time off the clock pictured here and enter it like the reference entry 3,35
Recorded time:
11,46
